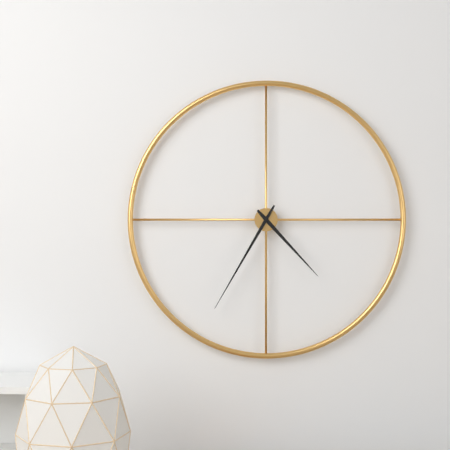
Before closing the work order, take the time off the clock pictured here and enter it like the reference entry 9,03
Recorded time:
4,35
